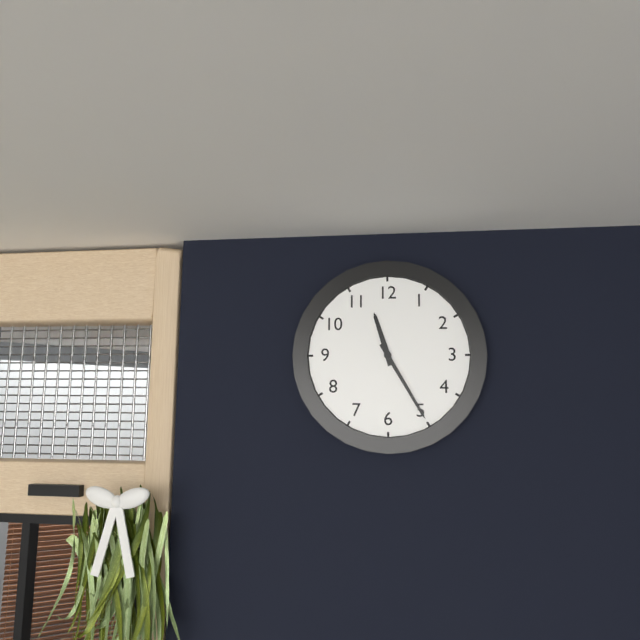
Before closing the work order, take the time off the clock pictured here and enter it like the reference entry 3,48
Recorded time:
11,25
